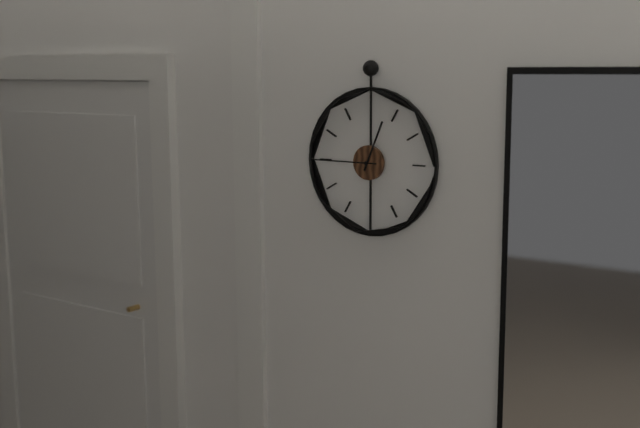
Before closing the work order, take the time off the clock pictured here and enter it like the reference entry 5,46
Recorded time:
12,45
